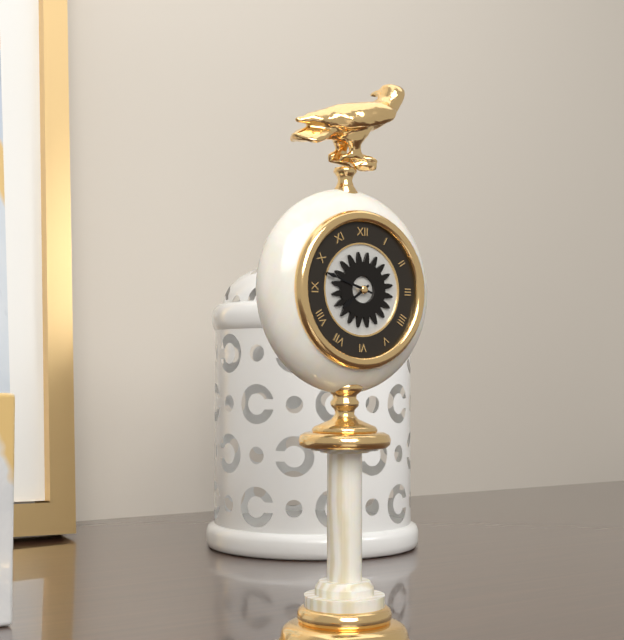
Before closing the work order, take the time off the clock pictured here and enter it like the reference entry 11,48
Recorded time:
7,48
